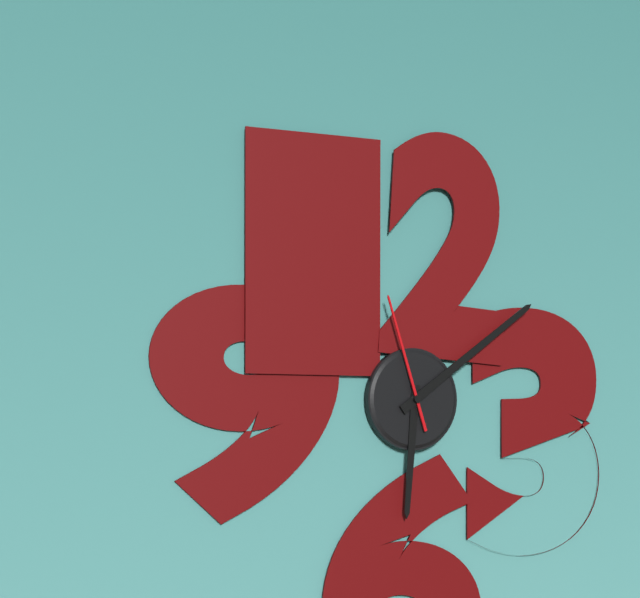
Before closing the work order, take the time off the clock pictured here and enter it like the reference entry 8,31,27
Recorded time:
6,09,57
